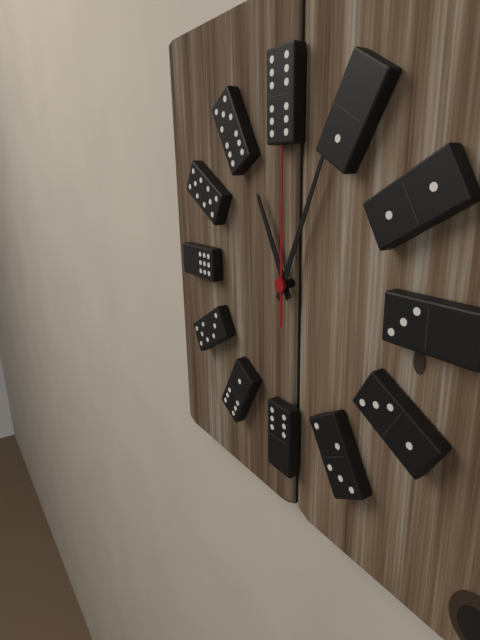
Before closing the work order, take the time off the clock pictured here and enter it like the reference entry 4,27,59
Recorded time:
11,04,00
